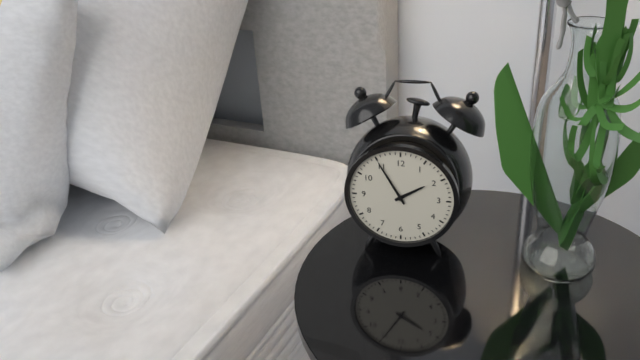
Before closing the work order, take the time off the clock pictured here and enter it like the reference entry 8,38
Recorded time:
1,55
